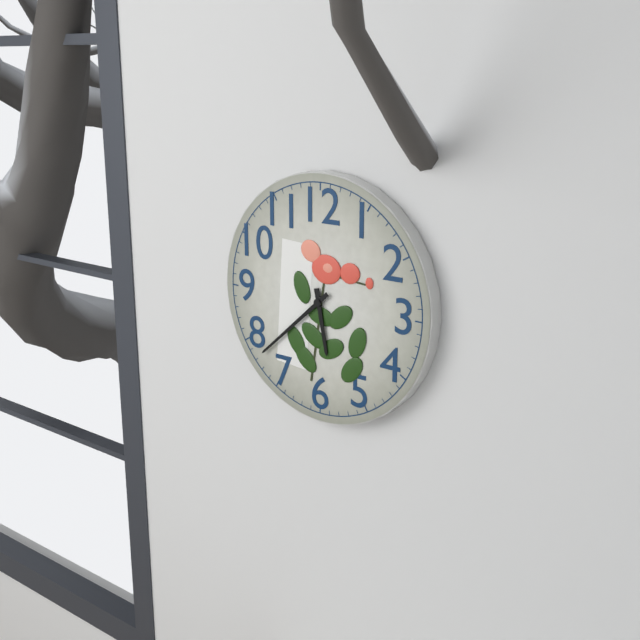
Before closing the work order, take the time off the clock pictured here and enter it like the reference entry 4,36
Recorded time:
5,38
